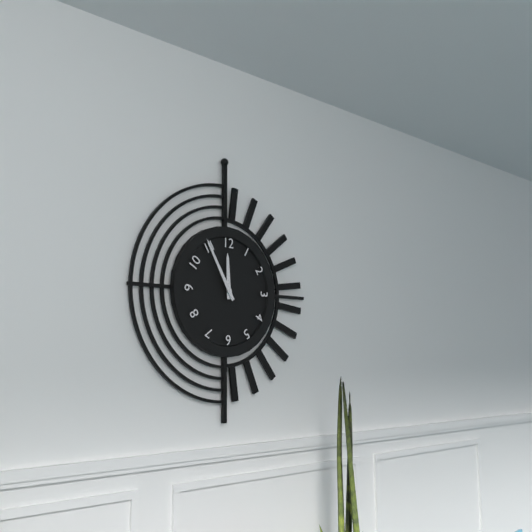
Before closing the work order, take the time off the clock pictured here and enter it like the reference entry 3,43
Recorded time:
11,55
